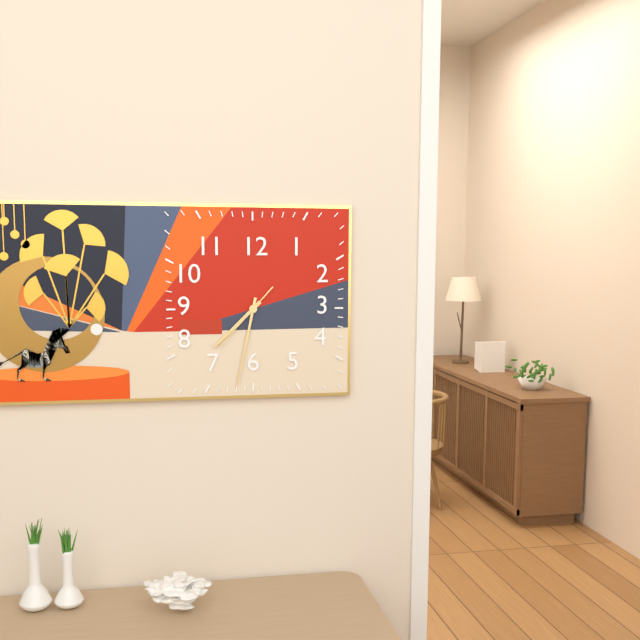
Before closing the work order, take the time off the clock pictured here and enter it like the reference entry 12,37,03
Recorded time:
7,32,37
